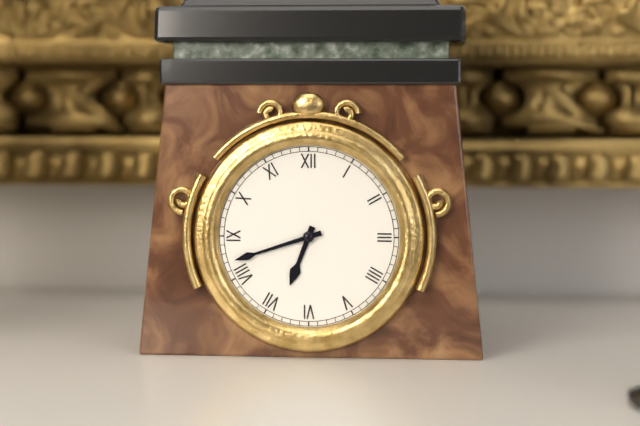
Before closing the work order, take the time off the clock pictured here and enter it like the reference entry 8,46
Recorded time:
6,42
